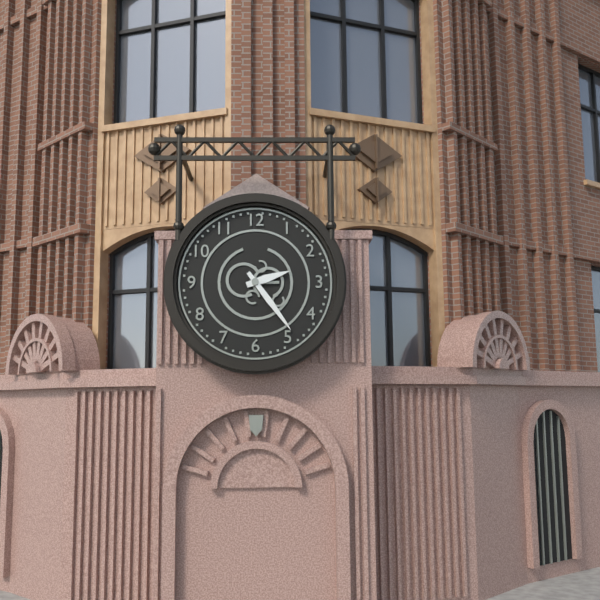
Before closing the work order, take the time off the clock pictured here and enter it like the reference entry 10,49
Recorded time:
2,24
